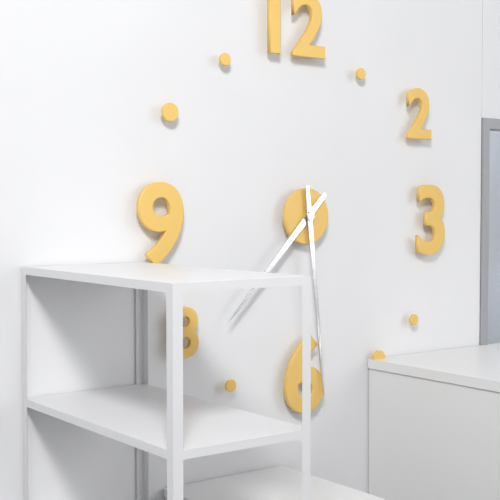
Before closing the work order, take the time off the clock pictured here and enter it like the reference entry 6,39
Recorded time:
7,29
